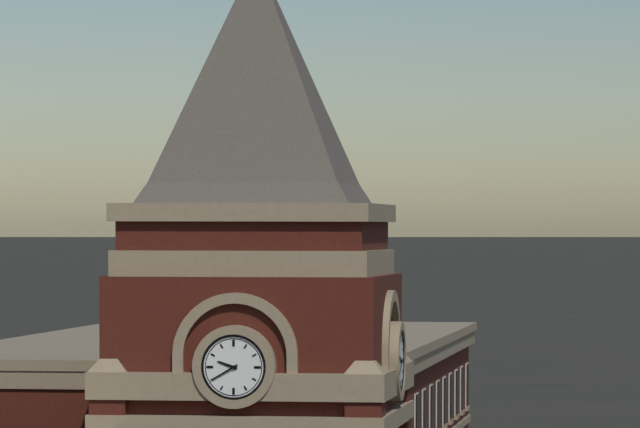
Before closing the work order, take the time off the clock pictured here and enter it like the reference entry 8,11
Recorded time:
9,40
